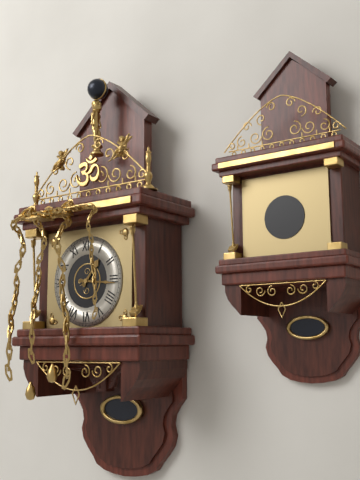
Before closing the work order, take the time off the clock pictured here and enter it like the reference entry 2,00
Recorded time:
1,16
